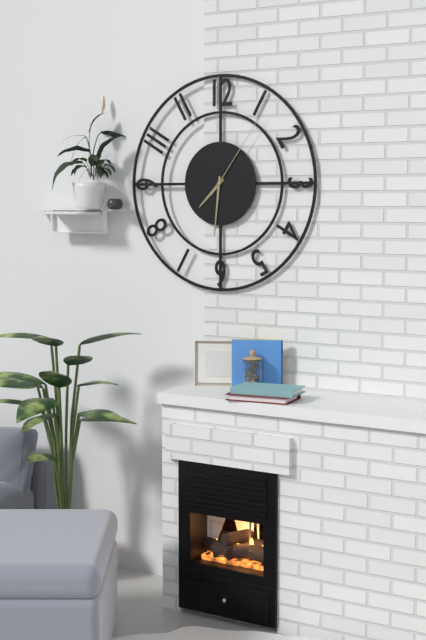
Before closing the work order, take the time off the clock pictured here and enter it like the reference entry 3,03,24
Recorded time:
7,31,06
